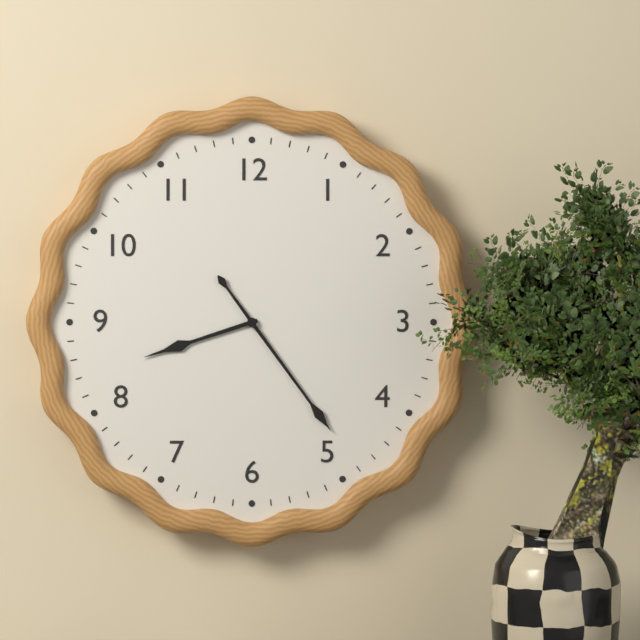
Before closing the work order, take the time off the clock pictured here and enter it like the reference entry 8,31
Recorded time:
8,24
